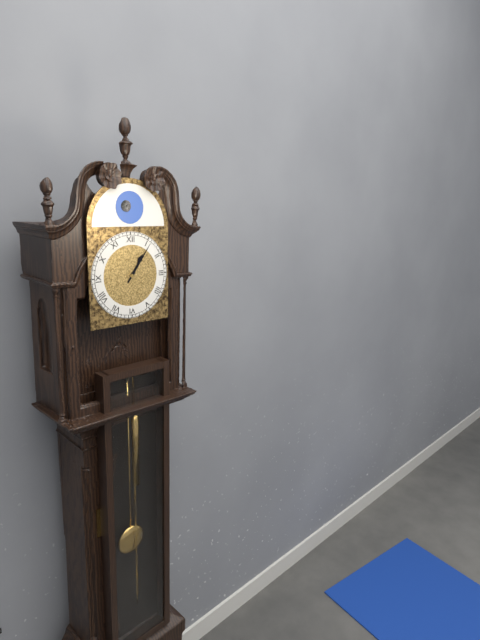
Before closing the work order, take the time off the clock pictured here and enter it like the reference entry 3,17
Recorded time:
1,06
